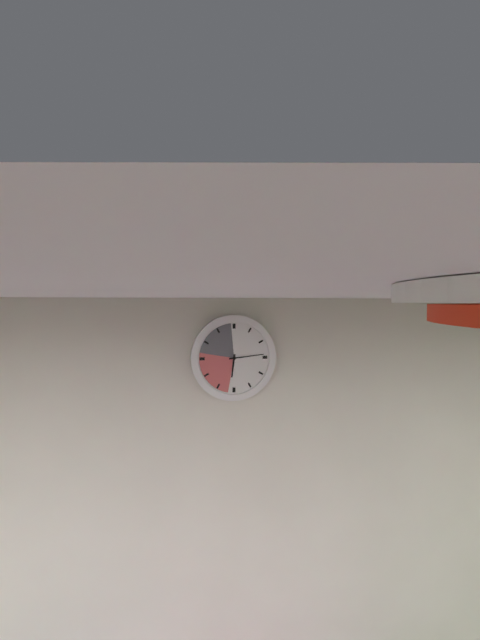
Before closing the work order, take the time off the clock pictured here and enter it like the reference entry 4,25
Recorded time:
6,14
